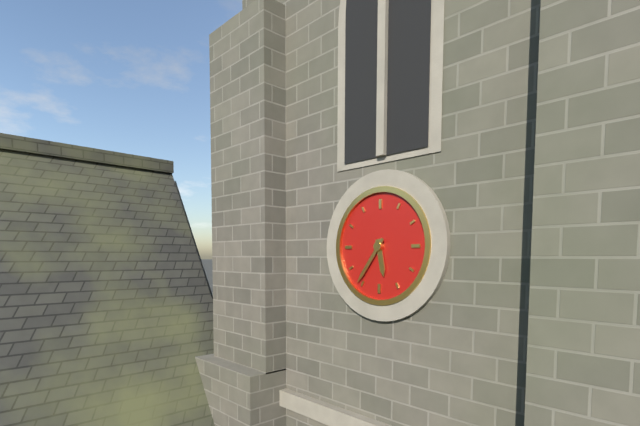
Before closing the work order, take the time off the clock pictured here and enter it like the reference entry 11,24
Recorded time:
5,36
